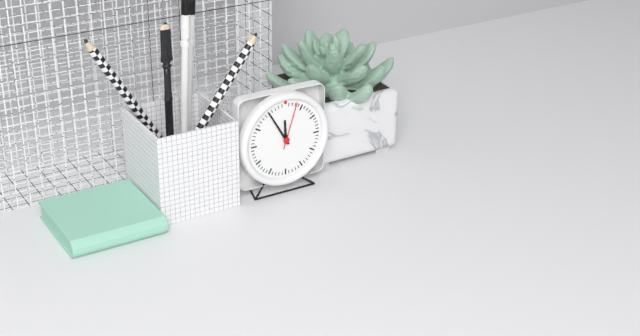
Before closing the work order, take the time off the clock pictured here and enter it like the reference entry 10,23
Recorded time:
11,55
